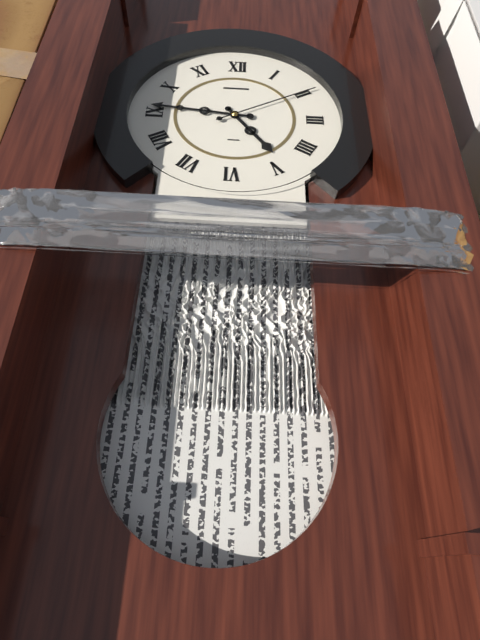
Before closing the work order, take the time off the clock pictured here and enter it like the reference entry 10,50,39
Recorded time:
4,46,10
